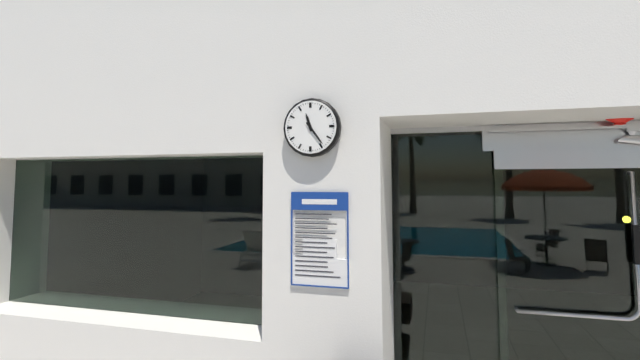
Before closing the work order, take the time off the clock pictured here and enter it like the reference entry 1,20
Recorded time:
11,24
